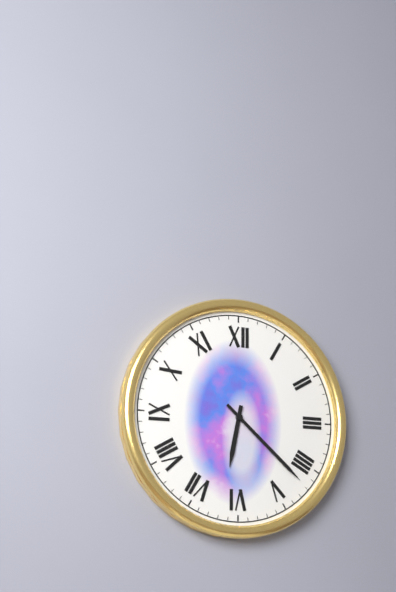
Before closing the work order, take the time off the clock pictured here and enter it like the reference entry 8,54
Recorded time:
6,22
